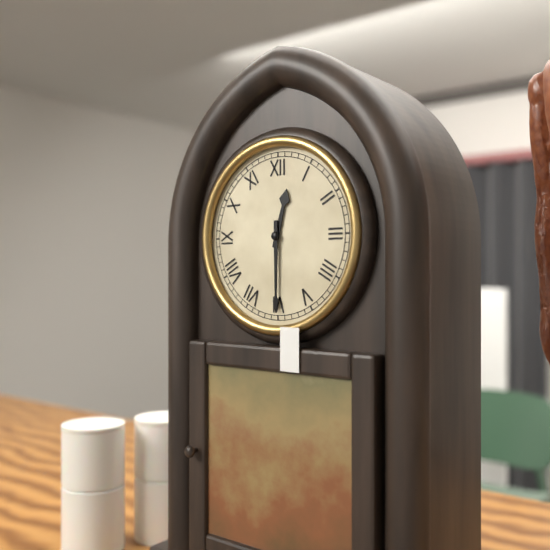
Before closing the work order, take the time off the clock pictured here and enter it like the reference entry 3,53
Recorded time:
12,30
